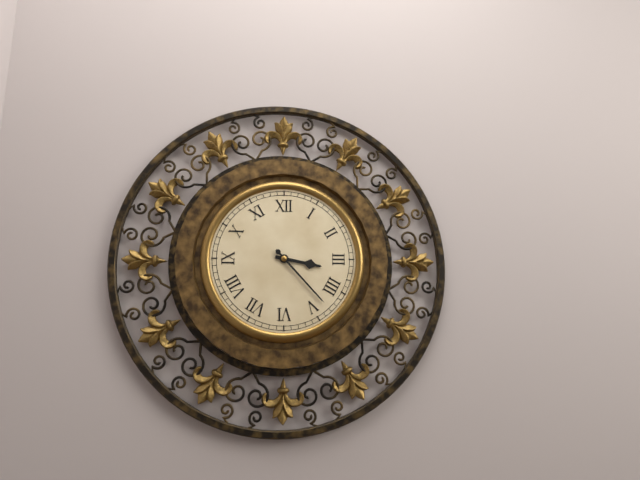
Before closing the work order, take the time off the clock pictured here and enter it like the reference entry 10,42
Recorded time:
3,23
